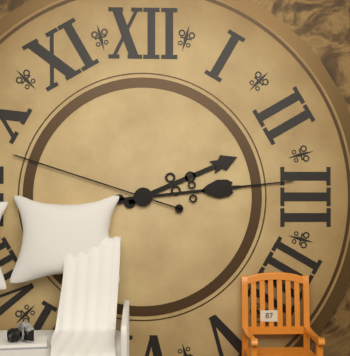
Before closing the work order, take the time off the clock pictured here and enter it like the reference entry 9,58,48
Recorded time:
2,14,48
